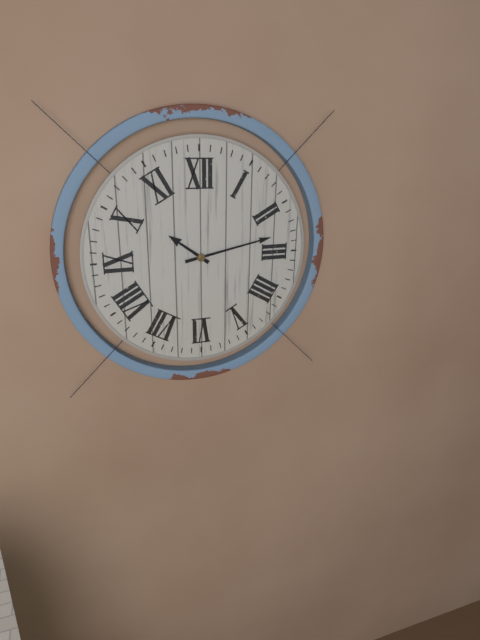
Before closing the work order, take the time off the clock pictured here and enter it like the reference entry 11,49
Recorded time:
10,13
